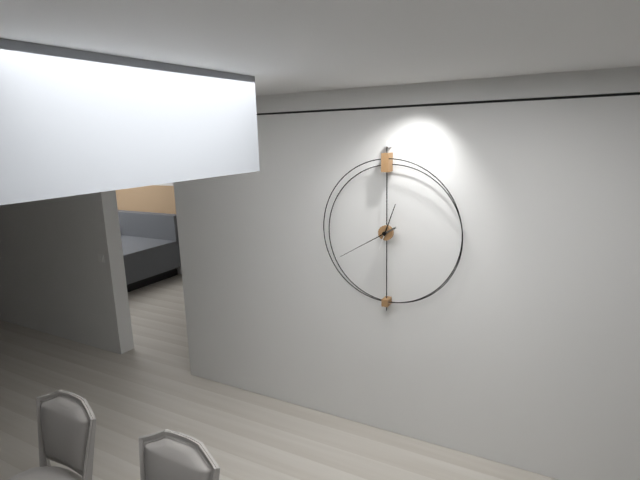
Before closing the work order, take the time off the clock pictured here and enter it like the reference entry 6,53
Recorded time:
12,40
